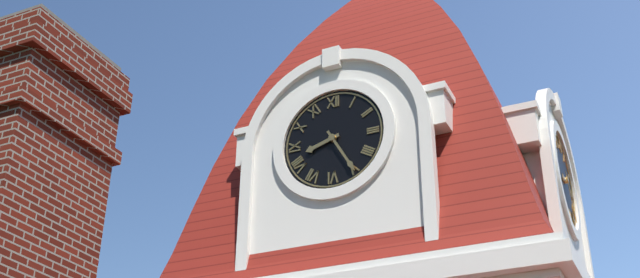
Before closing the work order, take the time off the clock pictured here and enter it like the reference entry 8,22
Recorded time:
8,25
